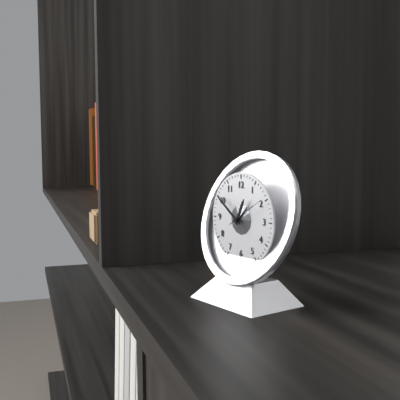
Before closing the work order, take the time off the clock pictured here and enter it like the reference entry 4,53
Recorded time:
12,51
